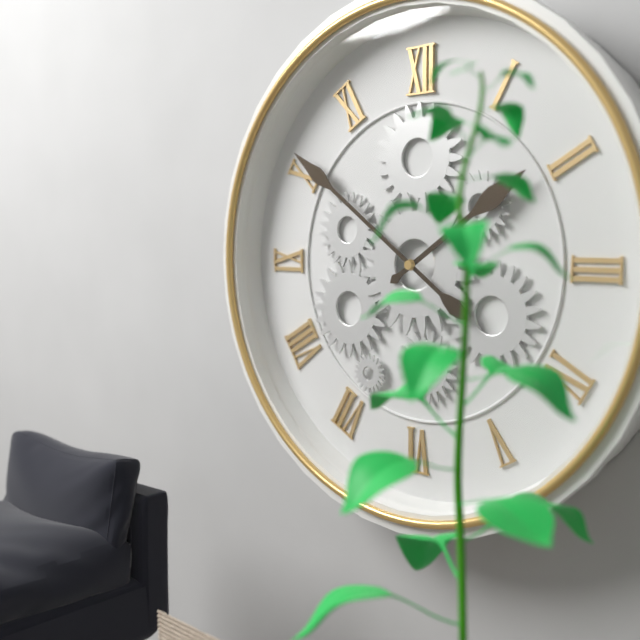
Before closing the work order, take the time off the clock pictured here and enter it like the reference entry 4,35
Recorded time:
1,51
